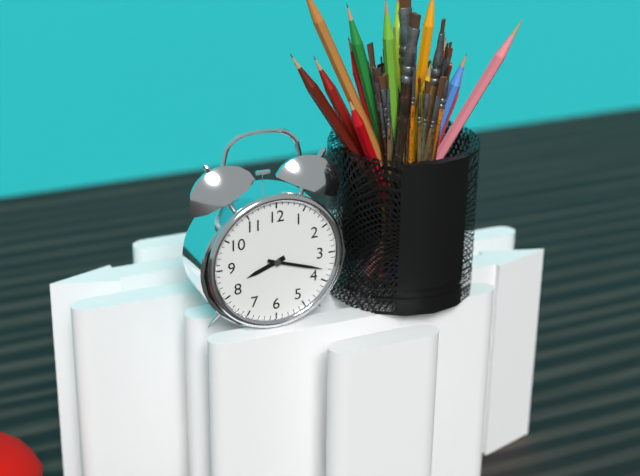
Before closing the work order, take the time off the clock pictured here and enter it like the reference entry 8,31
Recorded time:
8,18
